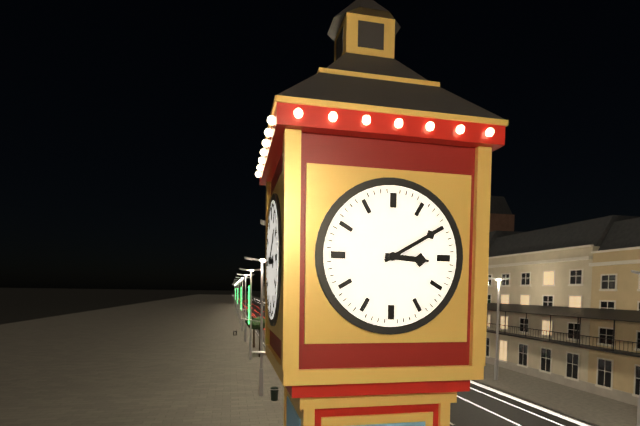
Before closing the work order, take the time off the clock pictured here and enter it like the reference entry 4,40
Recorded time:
3,10
